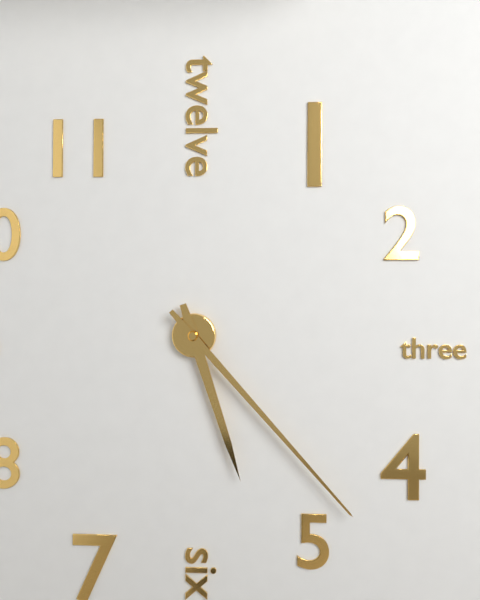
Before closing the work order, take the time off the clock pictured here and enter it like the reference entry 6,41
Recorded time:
5,23
